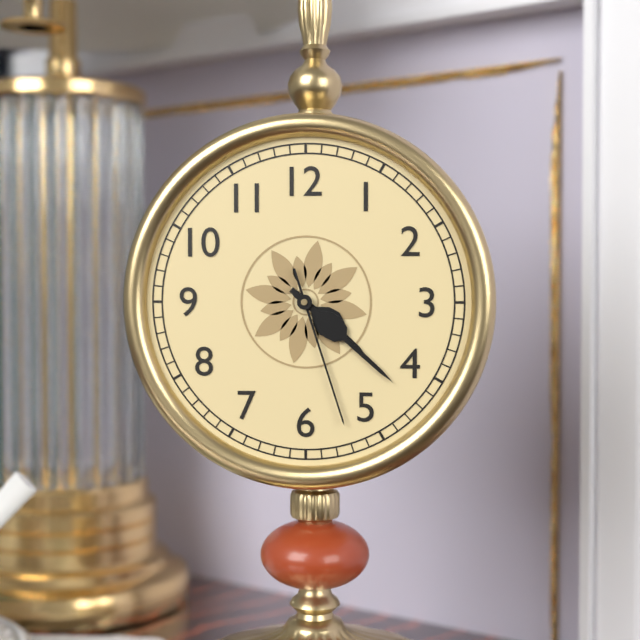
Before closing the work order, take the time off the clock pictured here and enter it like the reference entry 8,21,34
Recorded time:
4,22,27
